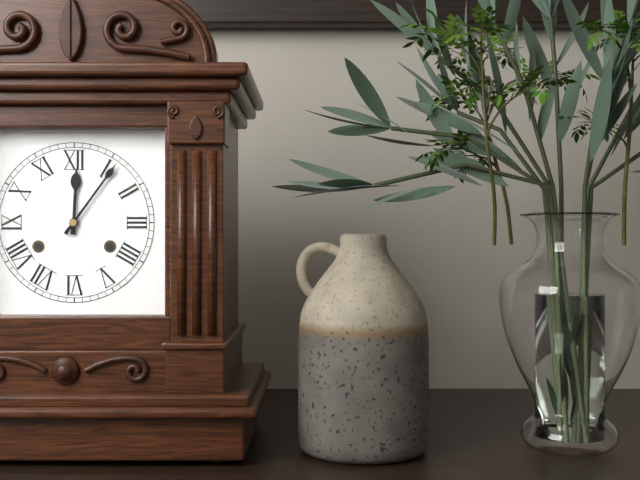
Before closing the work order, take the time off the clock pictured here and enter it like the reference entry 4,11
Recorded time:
12,06
